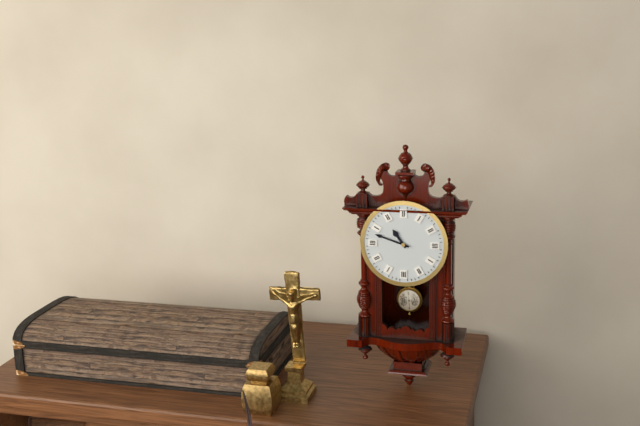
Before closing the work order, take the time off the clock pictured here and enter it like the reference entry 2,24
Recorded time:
10,48
